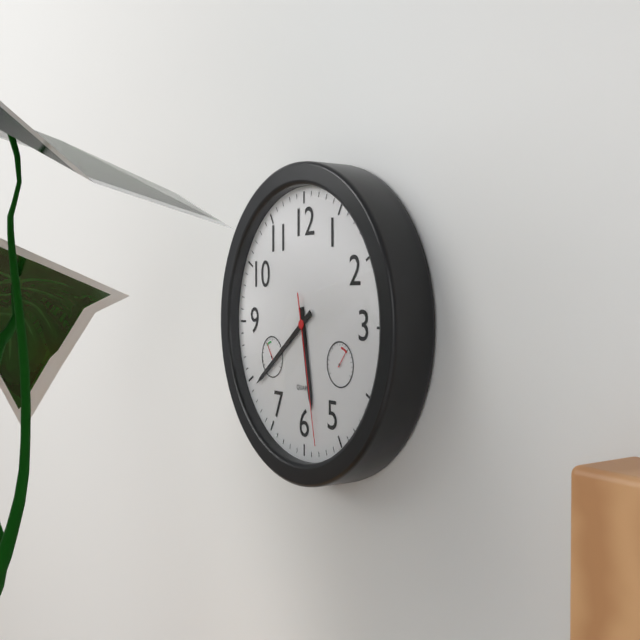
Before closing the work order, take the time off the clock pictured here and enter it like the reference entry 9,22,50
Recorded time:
5,39,28
